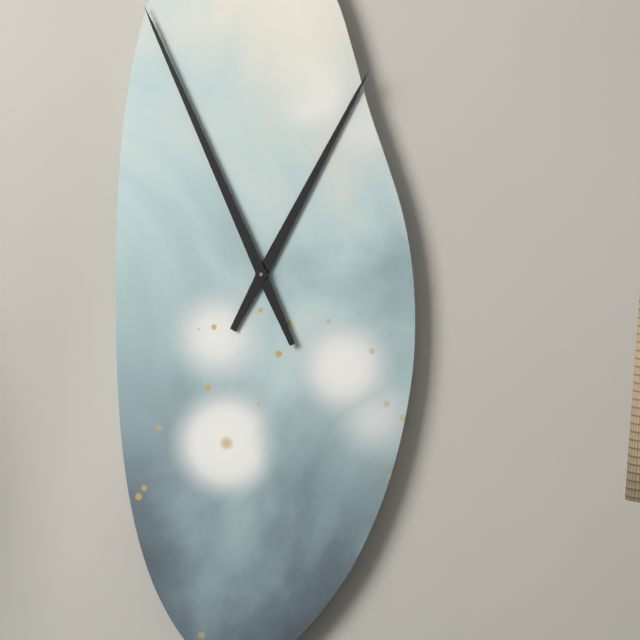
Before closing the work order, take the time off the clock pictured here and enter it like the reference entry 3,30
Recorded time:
12,56
